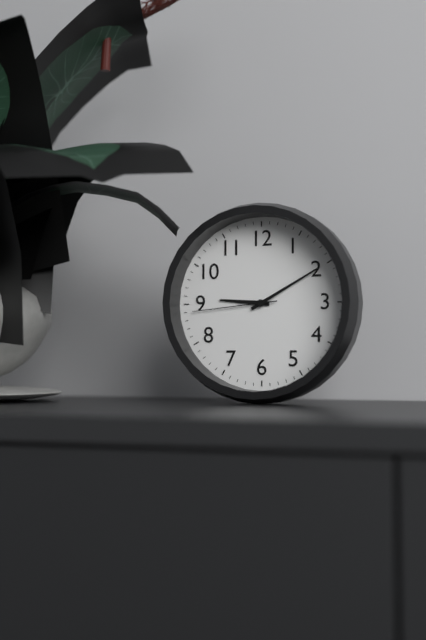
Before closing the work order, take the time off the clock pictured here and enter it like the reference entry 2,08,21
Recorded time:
9,10,44
